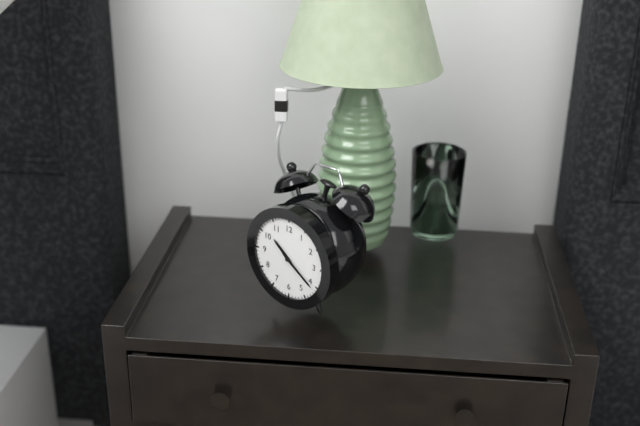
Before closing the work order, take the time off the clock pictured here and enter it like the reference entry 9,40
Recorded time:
10,21
